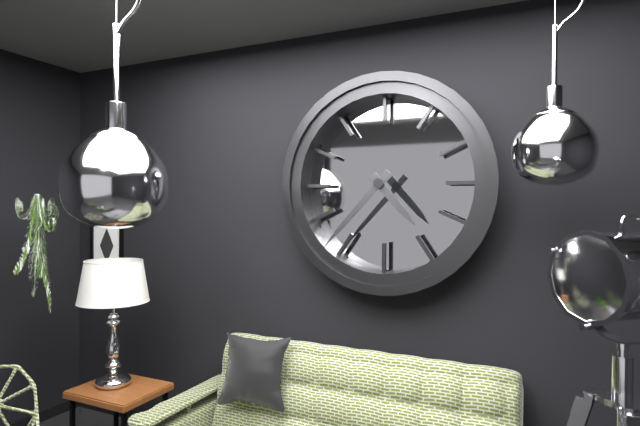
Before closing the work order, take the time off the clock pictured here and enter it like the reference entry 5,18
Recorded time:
4,37
